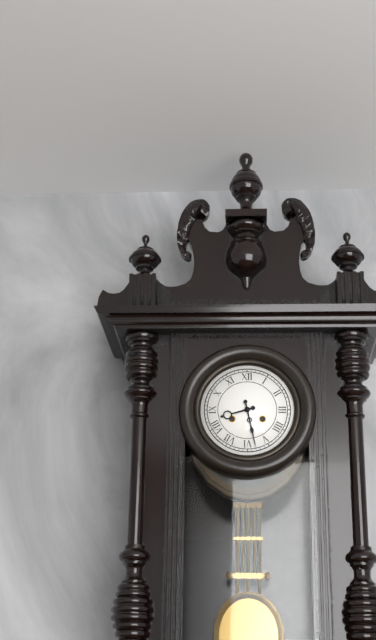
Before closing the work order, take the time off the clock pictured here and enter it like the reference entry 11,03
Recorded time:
8,28
